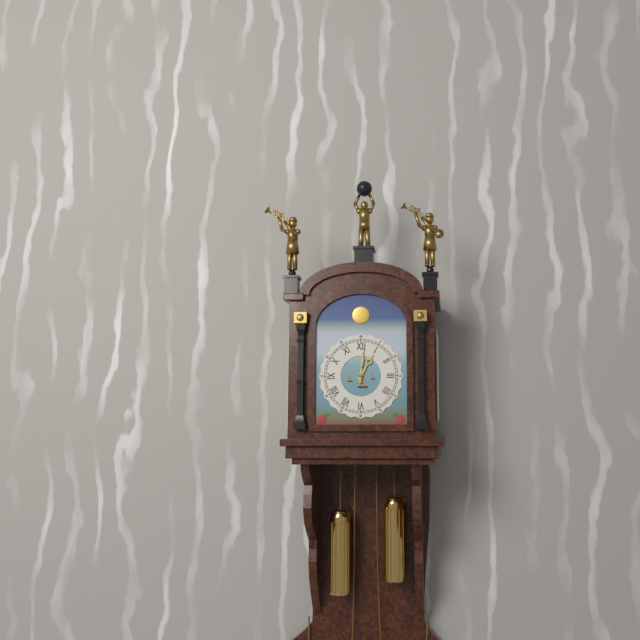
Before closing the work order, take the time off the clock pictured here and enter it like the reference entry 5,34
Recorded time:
1,01
